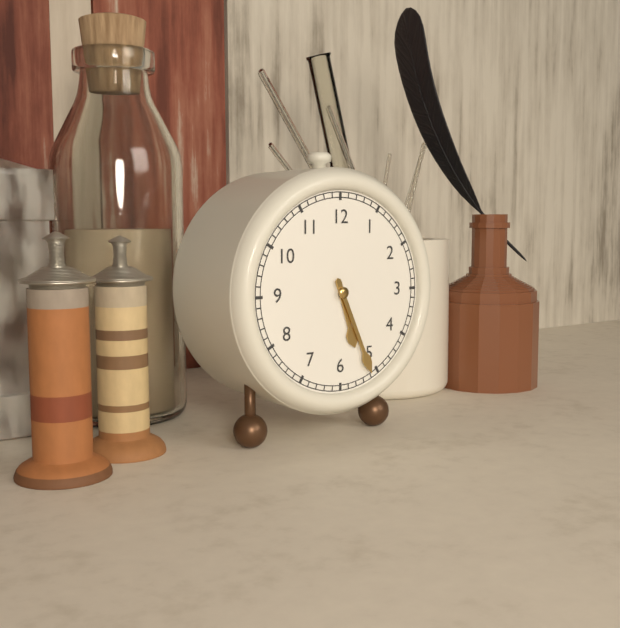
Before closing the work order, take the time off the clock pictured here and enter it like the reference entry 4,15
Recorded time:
5,26
